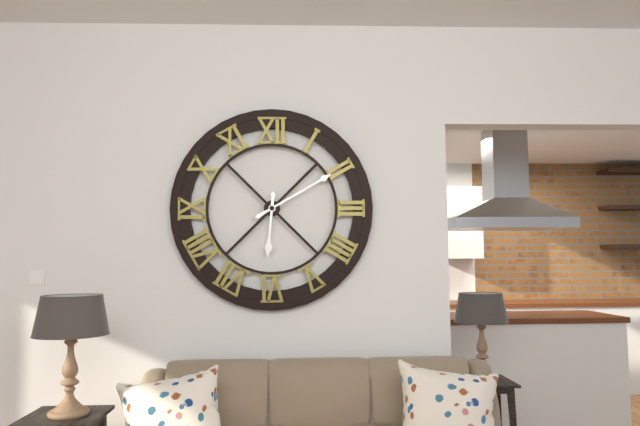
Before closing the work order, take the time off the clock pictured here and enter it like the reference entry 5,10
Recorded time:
6,10
